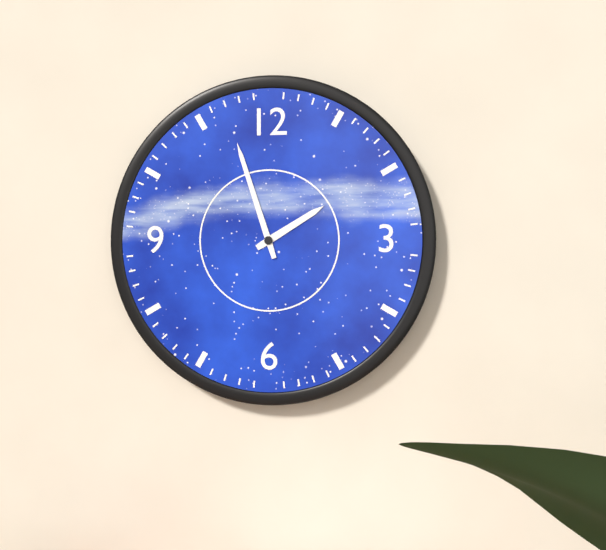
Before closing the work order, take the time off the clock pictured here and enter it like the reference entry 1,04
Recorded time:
1,57
